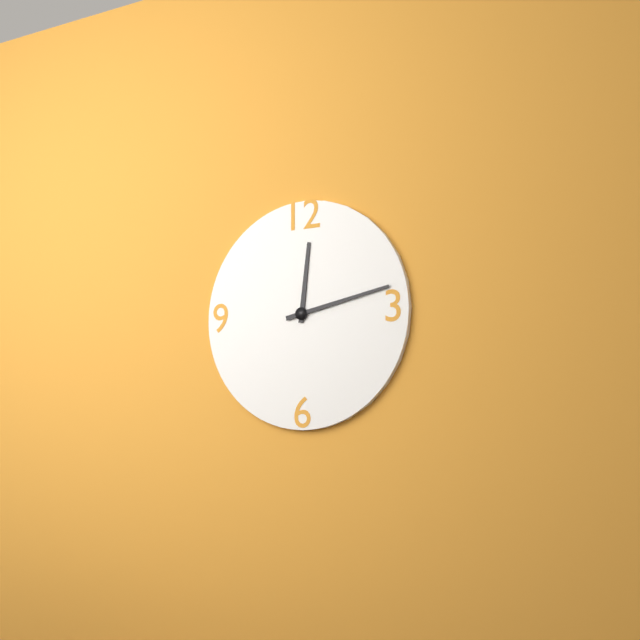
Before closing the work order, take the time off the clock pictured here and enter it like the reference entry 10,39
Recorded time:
12,13
